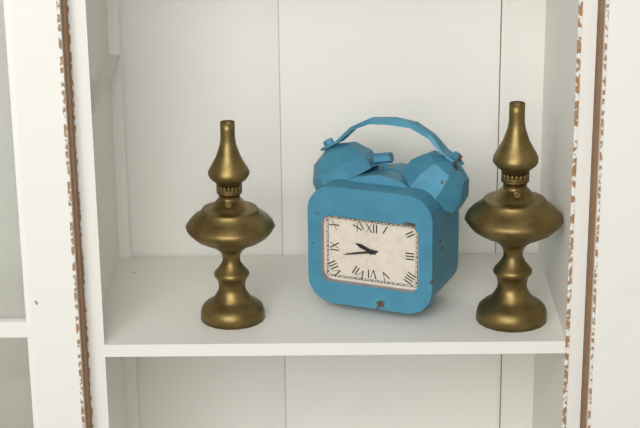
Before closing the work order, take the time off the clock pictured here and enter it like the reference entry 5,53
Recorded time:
9,43
